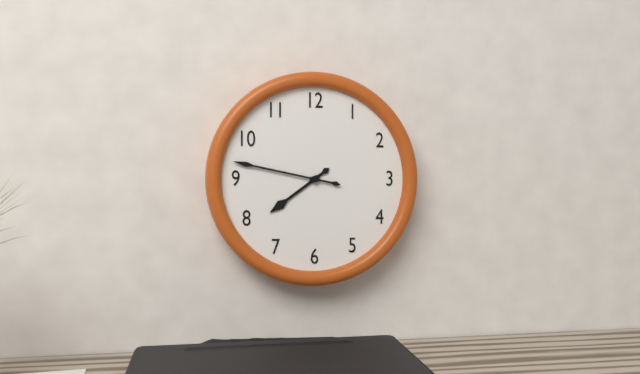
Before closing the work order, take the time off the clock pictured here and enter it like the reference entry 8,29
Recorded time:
7,47
